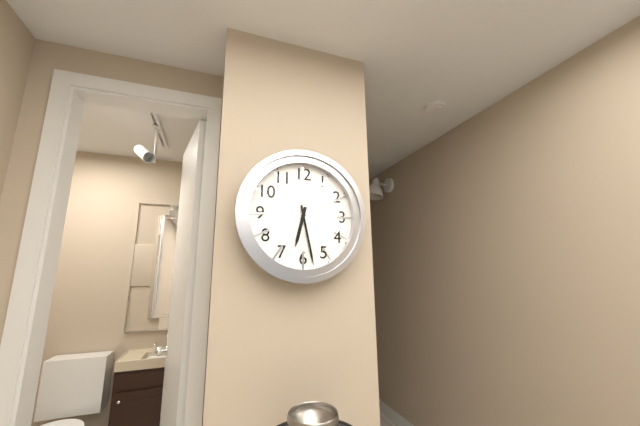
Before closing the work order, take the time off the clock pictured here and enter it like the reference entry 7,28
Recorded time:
6,28
